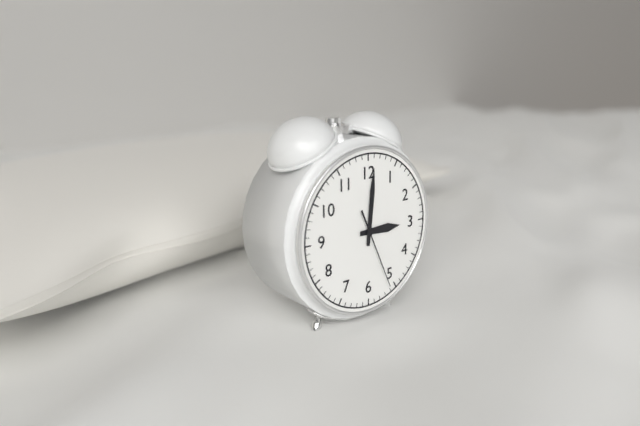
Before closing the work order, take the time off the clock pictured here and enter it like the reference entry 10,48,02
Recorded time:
3,01,26
